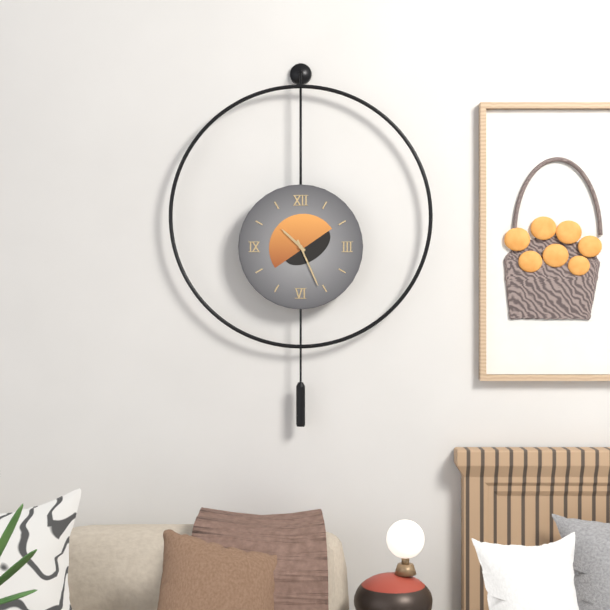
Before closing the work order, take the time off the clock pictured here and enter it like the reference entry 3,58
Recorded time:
10,26
